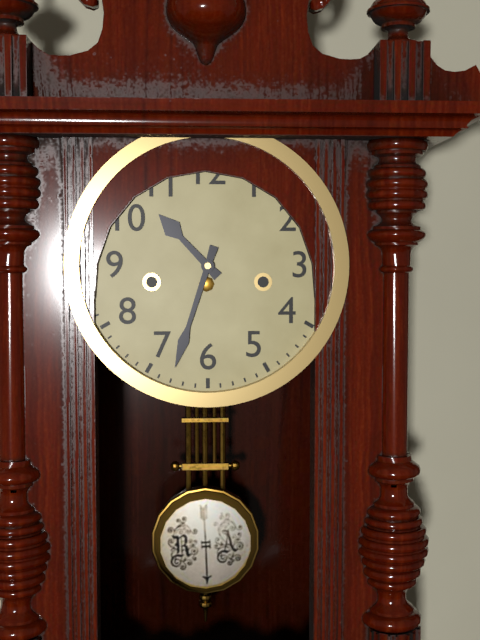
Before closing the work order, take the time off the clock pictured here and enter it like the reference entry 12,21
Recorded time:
10,33
